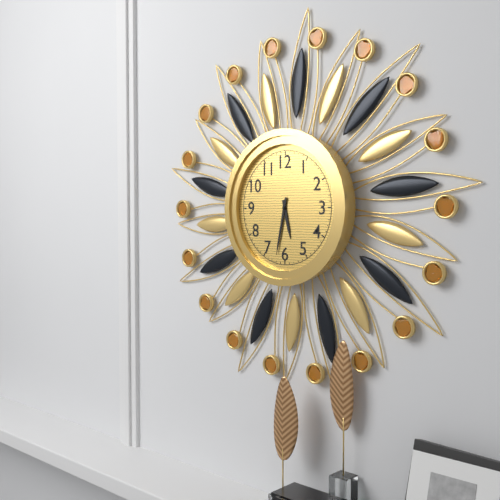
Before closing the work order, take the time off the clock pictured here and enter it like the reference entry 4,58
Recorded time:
5,32
